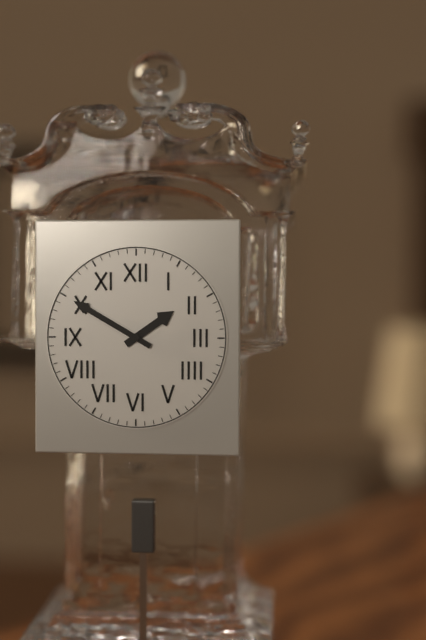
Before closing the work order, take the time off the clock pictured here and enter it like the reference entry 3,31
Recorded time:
1,50
